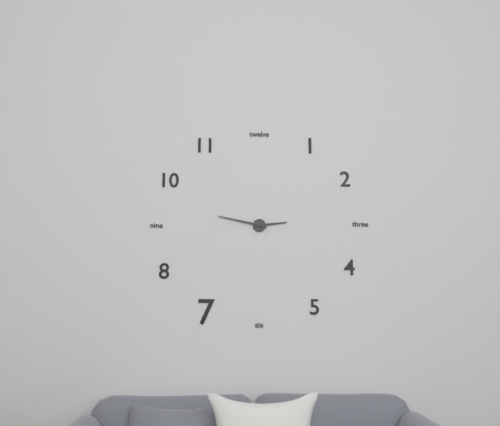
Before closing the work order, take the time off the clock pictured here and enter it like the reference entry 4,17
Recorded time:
2,47
